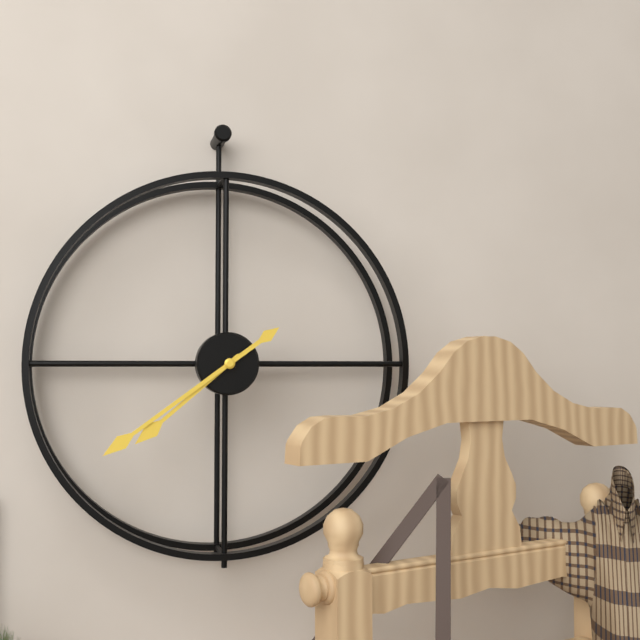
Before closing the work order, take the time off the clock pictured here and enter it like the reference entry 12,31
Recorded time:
7,39
